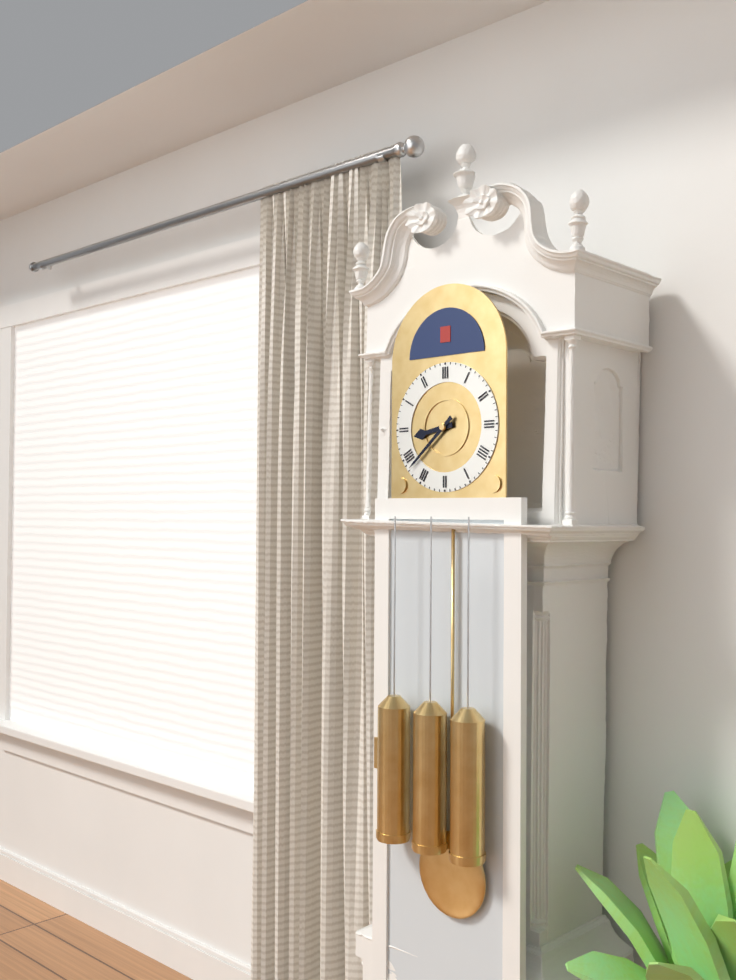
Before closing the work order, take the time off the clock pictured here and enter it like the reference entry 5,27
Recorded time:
8,38
